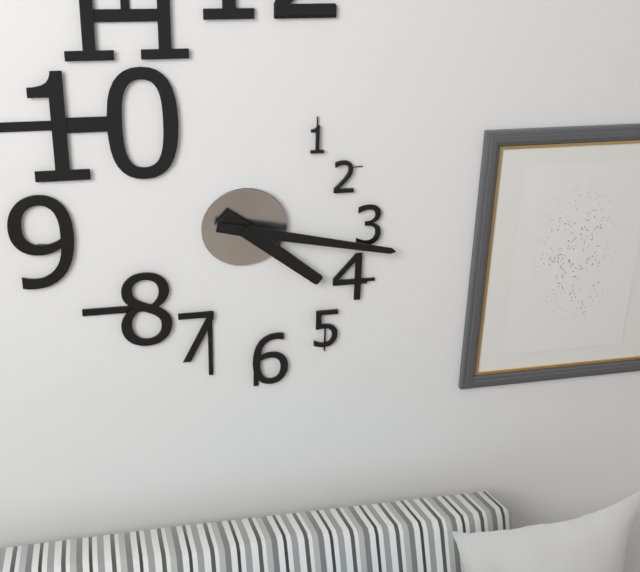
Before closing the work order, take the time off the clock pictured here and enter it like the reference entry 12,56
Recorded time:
4,17
